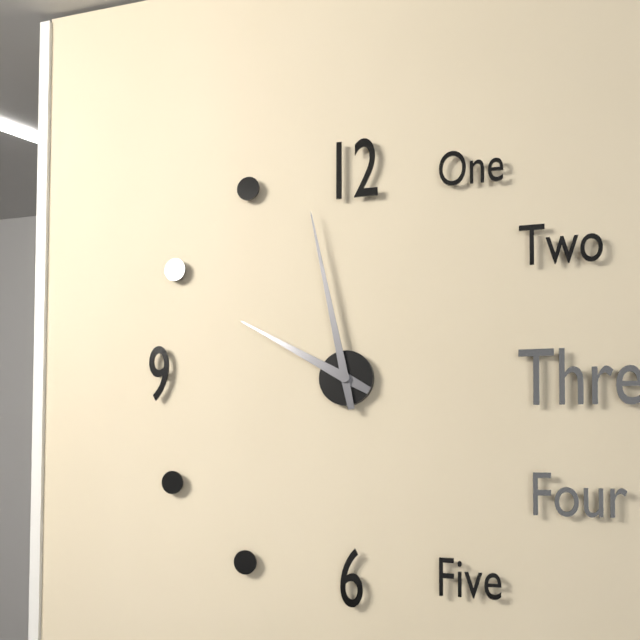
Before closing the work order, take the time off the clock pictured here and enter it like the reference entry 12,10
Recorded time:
9,58
